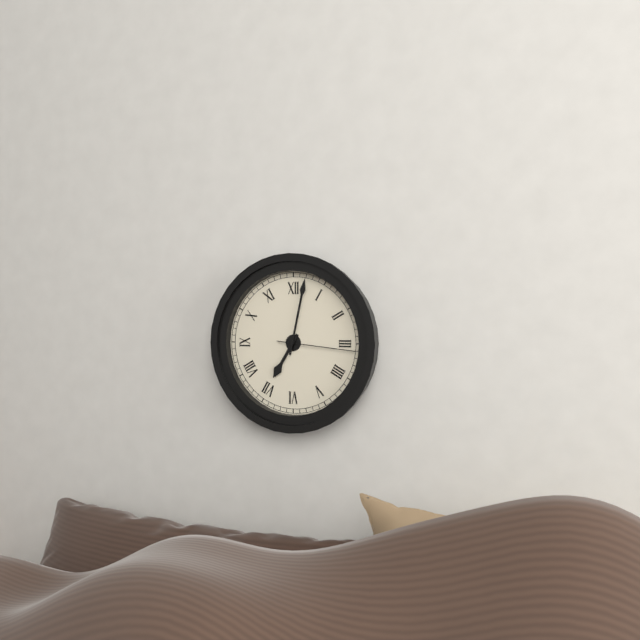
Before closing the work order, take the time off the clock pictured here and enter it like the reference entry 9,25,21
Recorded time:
7,02,16
